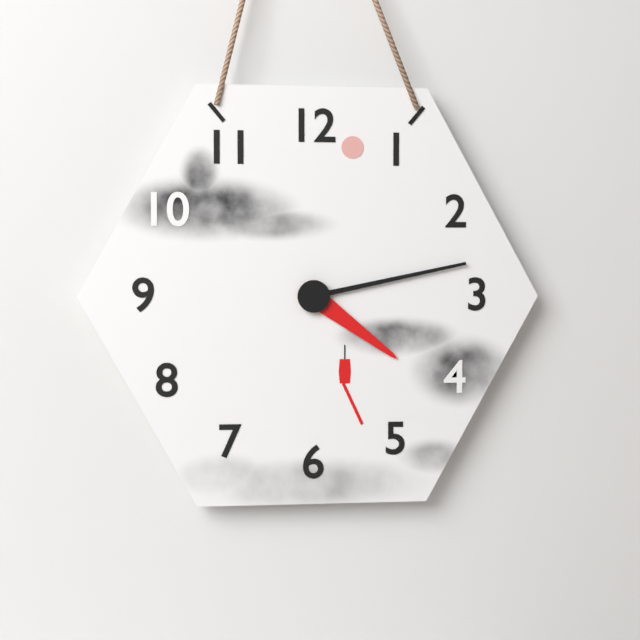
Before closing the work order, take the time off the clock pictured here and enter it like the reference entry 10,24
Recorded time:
4,13
